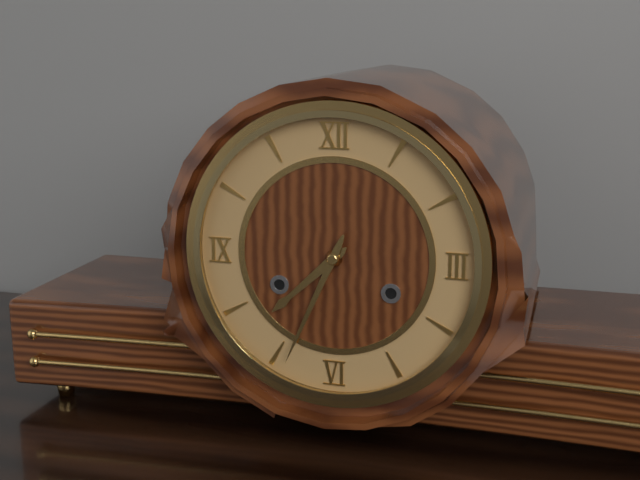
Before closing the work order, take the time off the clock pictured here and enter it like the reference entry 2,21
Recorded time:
7,34
